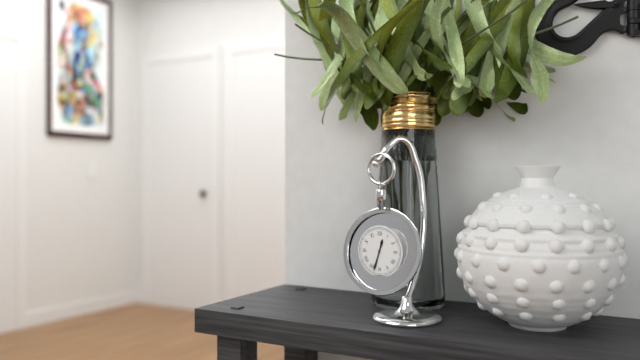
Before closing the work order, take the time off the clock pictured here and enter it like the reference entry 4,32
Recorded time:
12,33
